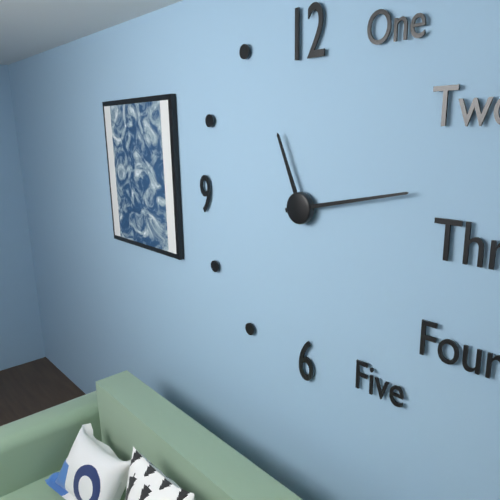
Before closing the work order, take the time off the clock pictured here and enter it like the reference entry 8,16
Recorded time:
11,13
